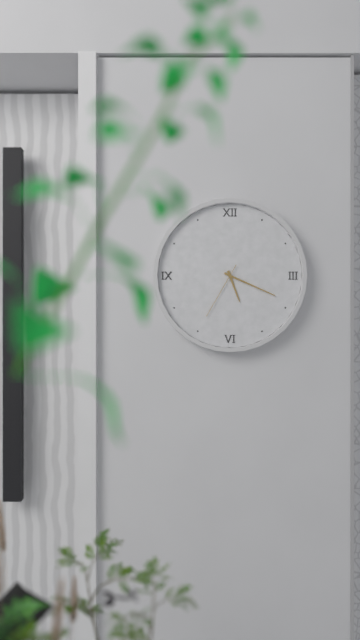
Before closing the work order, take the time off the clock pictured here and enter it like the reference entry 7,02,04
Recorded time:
5,19,35
